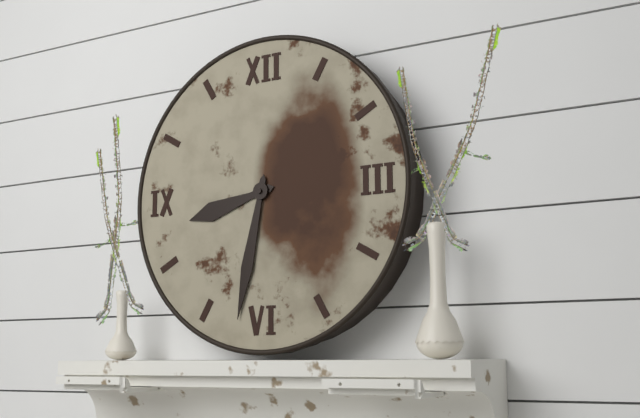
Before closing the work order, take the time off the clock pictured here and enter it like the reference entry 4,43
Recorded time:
8,32
